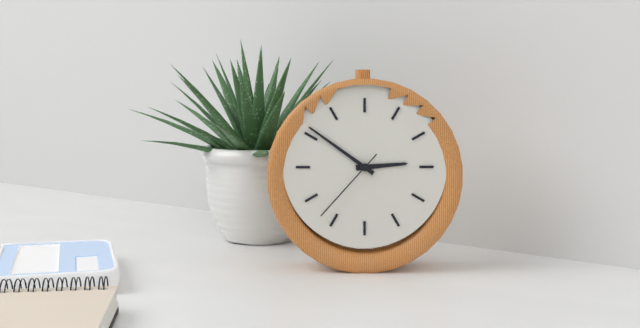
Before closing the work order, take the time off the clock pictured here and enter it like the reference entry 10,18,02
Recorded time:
2,51,37
